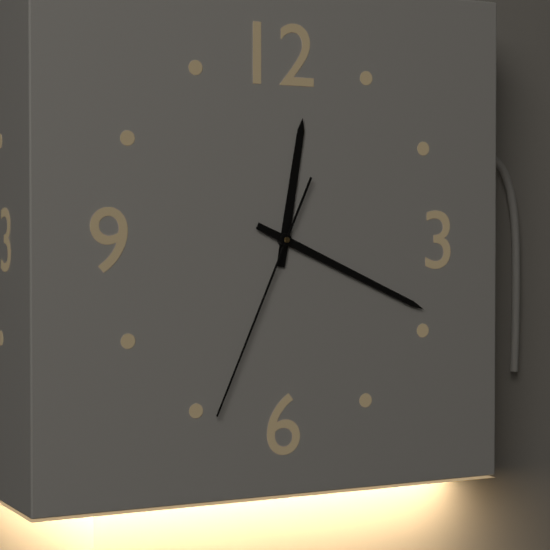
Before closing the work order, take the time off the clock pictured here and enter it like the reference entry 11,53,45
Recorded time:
12,19,34
